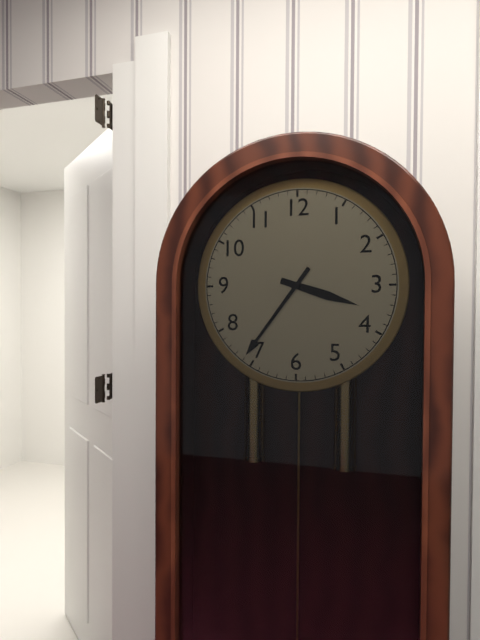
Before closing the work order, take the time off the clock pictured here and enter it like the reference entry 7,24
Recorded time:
3,36
